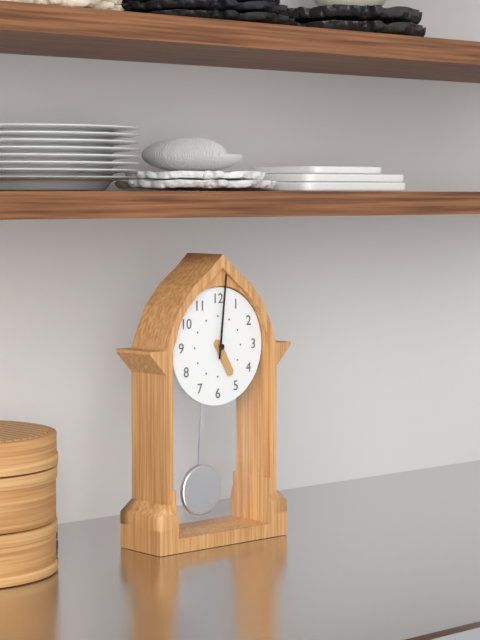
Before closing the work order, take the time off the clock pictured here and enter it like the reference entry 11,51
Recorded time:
5,01
